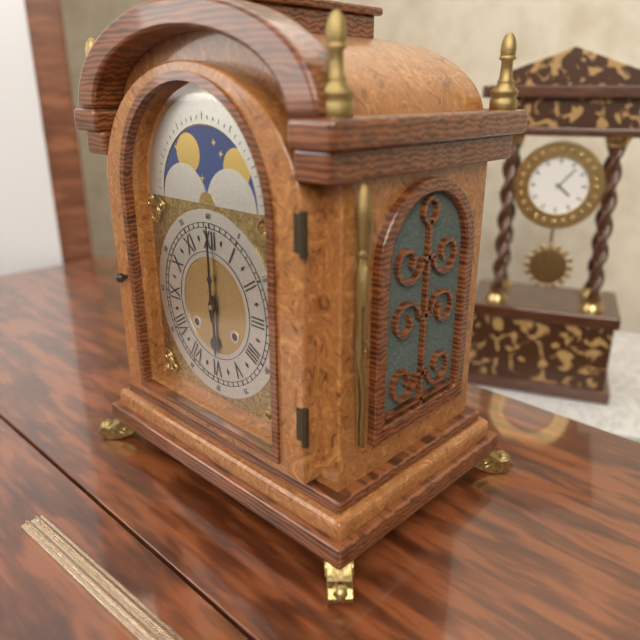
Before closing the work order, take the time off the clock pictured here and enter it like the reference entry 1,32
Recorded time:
6,00
